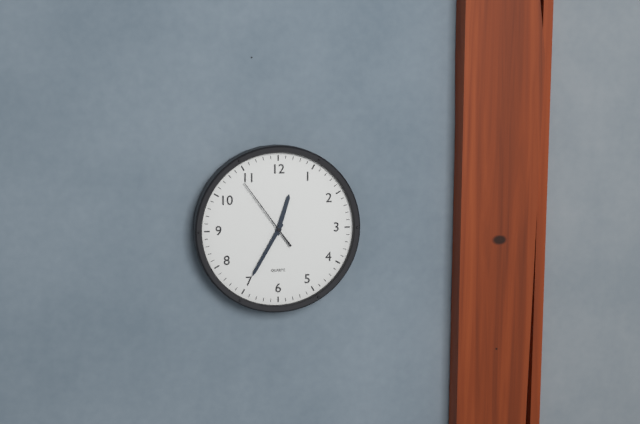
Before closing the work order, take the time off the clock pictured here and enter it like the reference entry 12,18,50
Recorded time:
12,35,54
